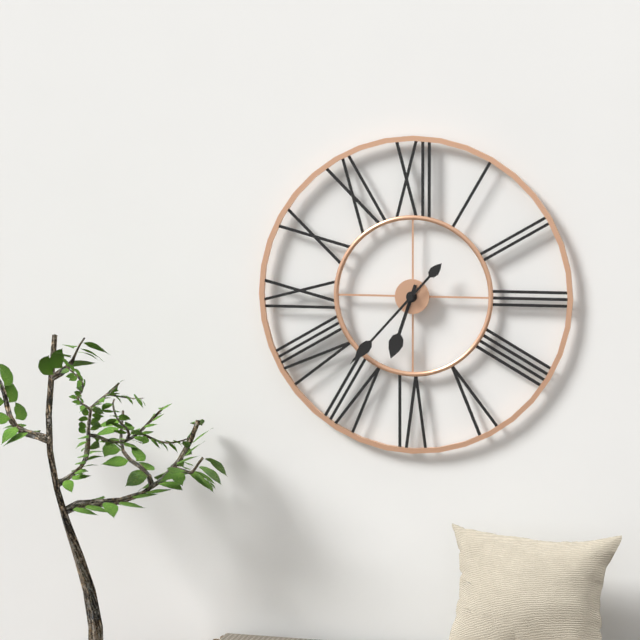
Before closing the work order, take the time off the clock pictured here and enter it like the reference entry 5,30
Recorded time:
6,37
